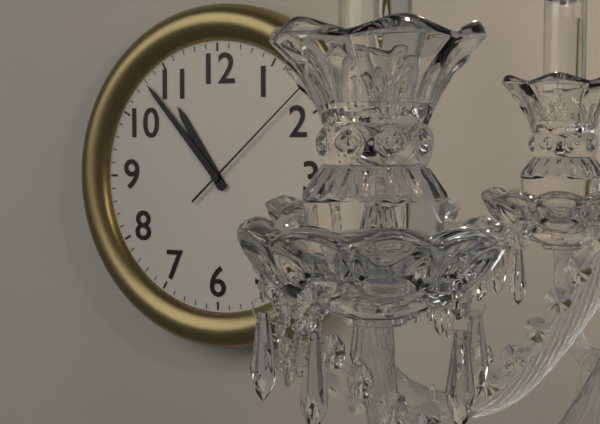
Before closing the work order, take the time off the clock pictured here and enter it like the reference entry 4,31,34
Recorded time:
10,53,08
